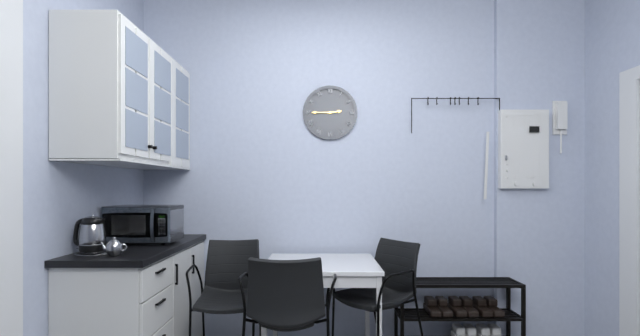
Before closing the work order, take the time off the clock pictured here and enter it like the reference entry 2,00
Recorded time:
2,45
